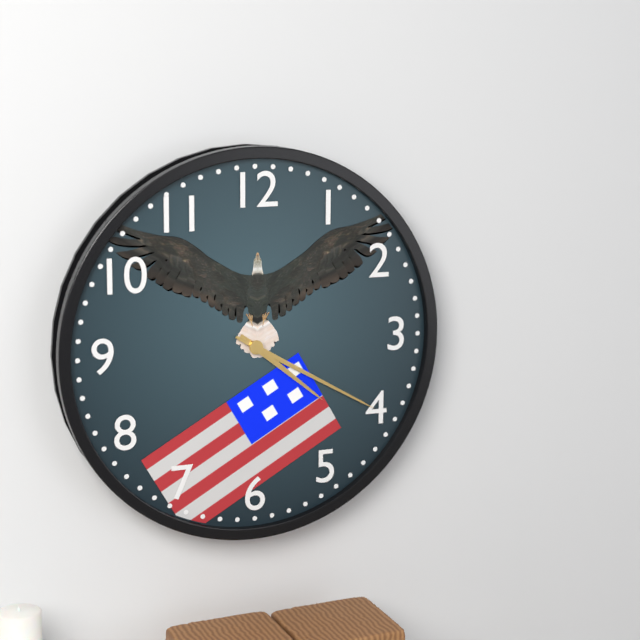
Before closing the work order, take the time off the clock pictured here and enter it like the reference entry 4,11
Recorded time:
4,20
